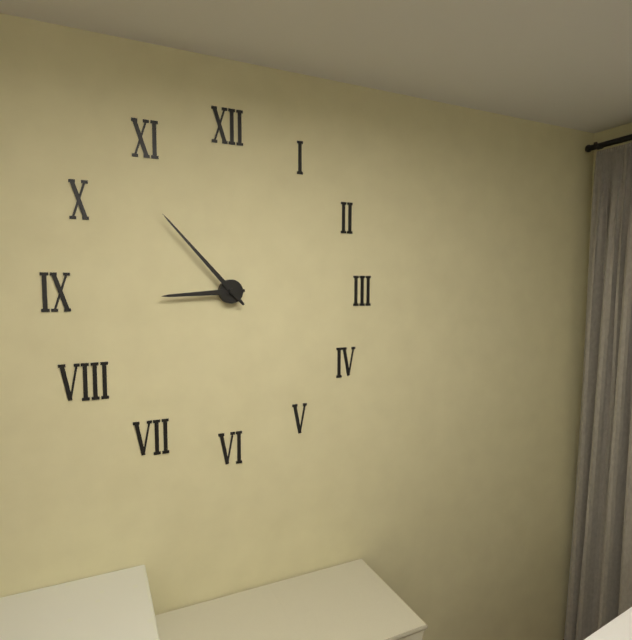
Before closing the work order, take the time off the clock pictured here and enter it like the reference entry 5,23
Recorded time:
8,53
